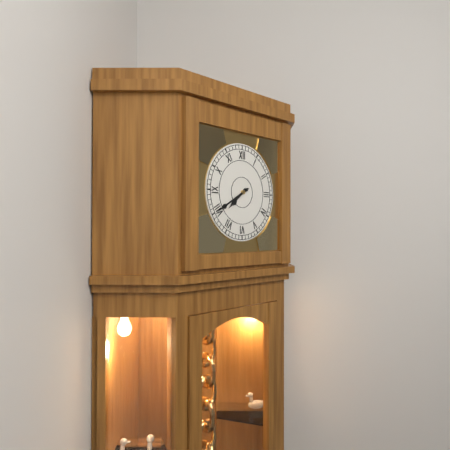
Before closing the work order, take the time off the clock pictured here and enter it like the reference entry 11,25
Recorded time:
7,40
